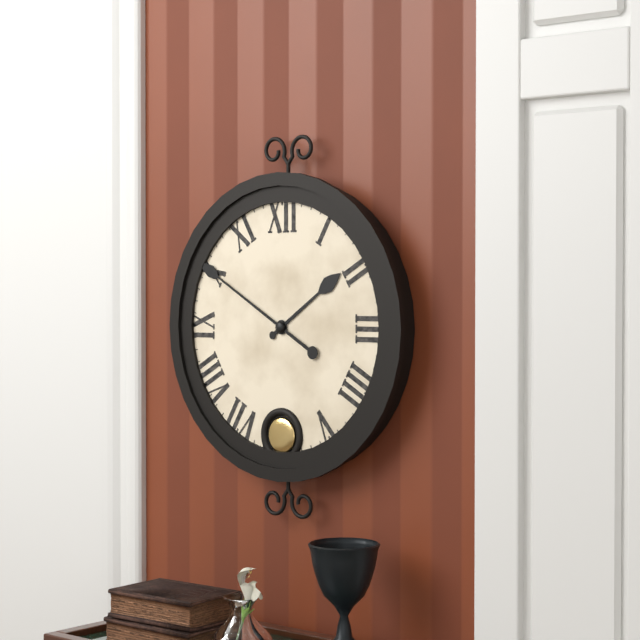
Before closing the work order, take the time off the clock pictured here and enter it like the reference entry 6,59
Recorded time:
1,50
